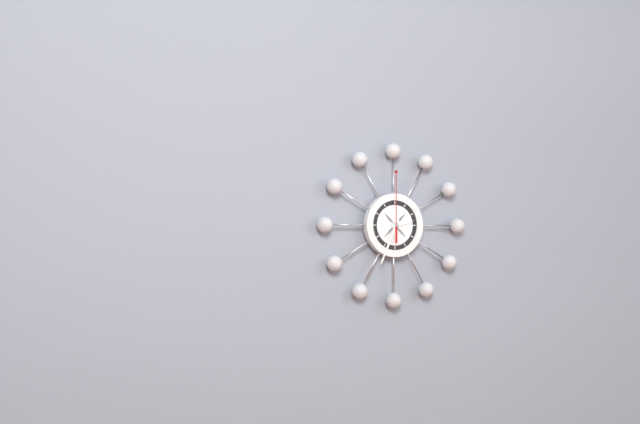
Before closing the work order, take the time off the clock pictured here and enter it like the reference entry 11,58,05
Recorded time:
2,34,00
